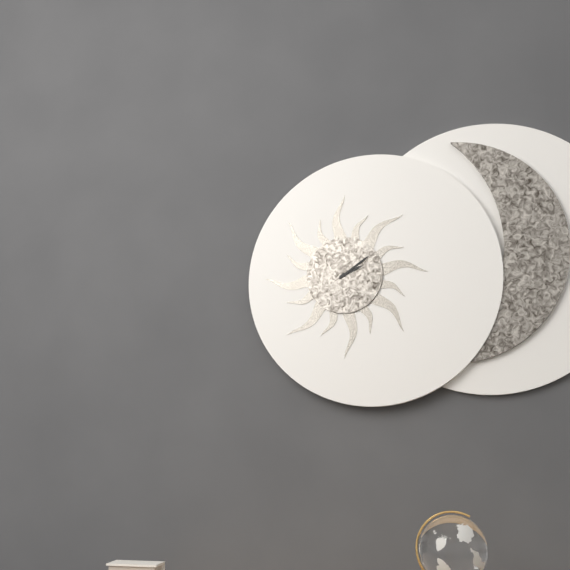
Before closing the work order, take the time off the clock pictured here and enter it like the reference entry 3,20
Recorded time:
2,09
